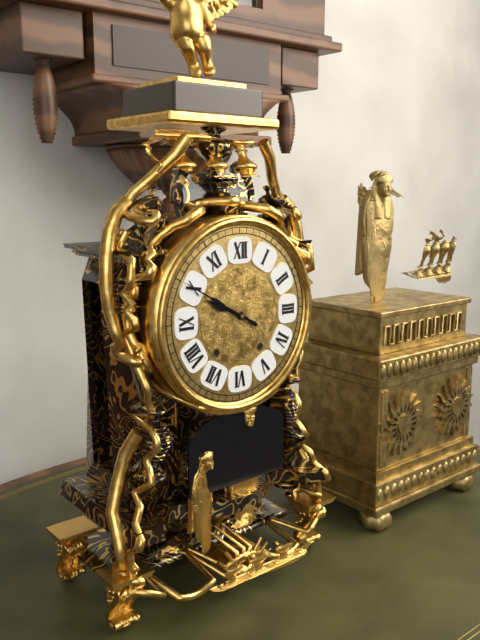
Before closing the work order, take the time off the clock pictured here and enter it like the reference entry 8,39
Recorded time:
9,50
